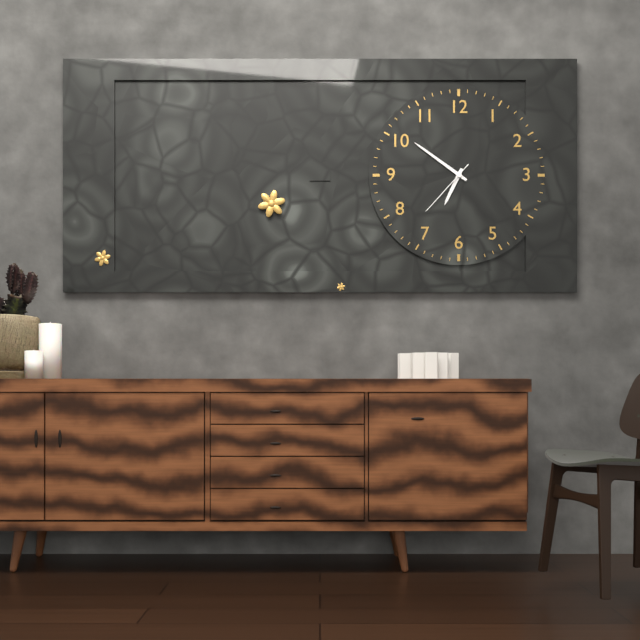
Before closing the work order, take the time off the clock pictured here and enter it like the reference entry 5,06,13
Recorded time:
6,51,37
